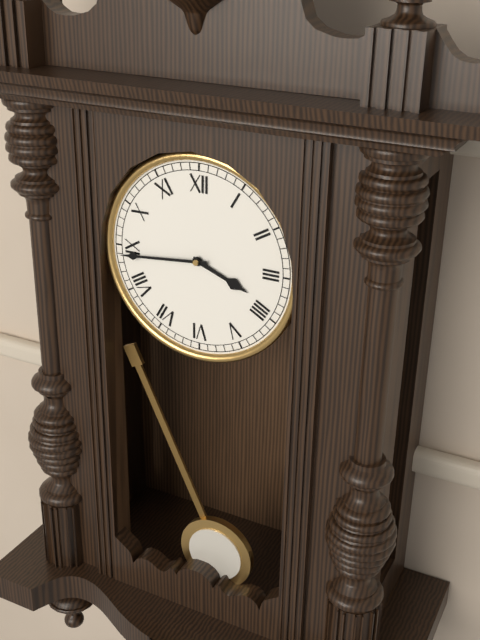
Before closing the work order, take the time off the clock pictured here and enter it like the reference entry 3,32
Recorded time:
3,44
